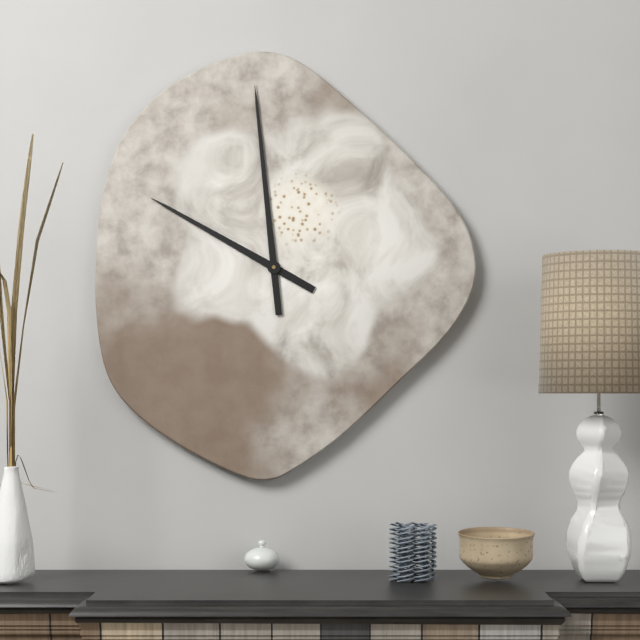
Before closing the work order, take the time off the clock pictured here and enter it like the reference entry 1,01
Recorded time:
9,59
